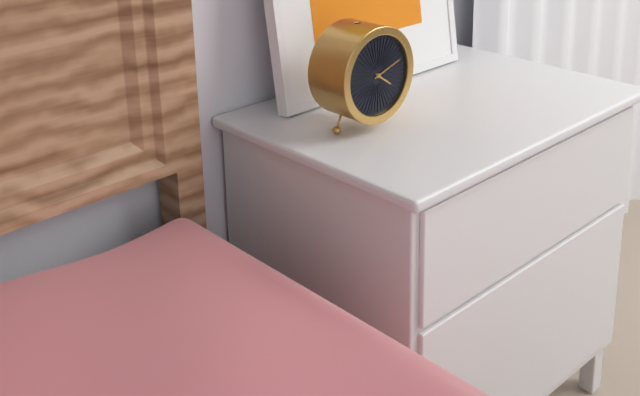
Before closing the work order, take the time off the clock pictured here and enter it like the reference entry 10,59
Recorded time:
4,12
